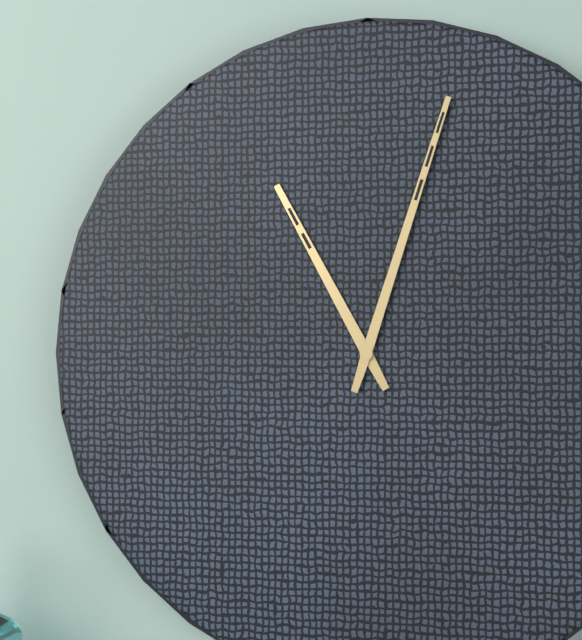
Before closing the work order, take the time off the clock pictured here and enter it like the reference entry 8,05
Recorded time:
11,03
